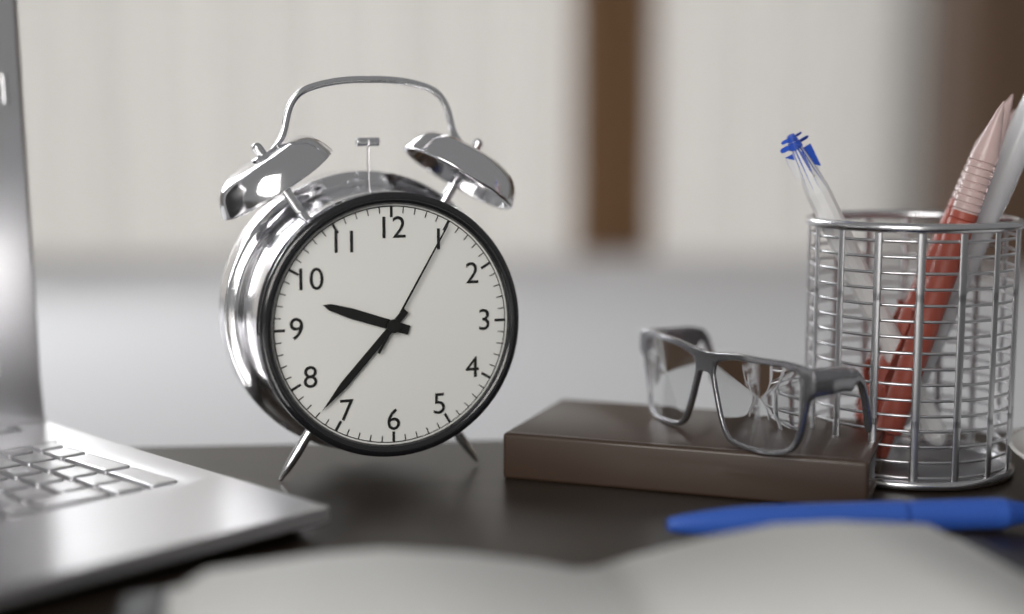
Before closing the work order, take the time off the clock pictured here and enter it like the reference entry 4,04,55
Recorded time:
9,37,05
